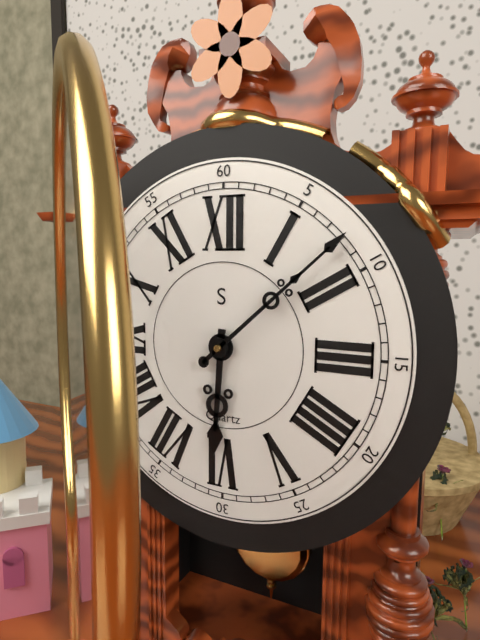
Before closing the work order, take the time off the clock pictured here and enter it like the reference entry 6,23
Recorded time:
6,08
